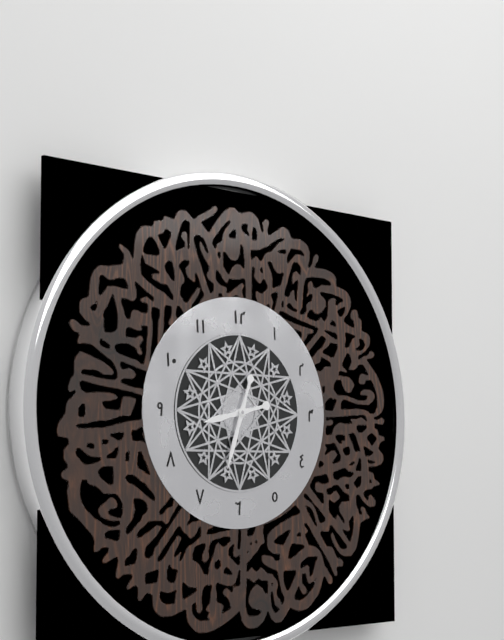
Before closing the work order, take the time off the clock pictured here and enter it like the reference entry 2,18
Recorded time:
8,33
